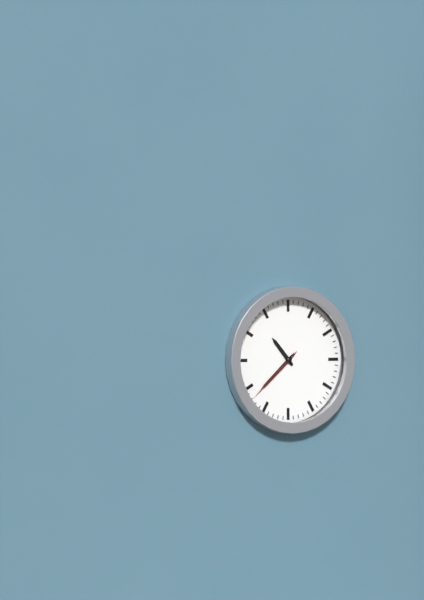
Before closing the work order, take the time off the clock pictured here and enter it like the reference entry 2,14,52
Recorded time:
10,38,38
